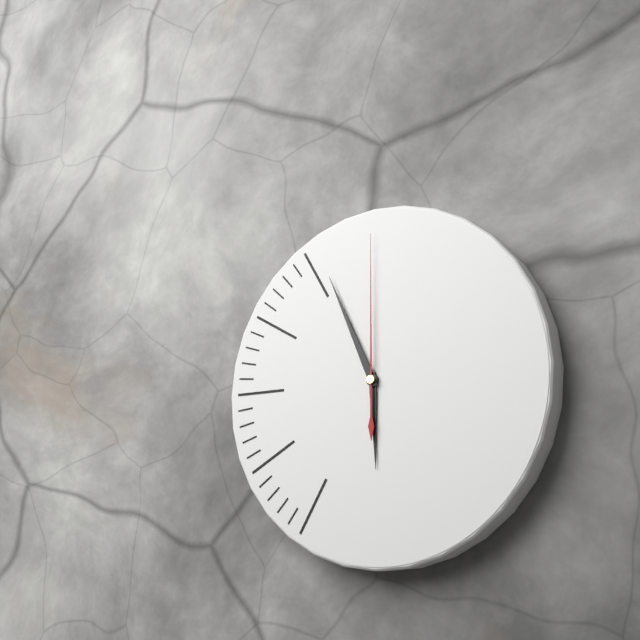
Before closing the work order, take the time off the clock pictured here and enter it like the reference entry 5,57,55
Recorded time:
5,56,00
